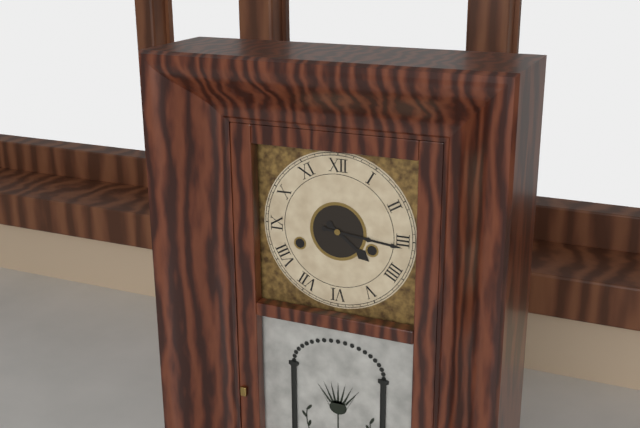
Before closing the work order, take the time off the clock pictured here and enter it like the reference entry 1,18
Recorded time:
4,16
